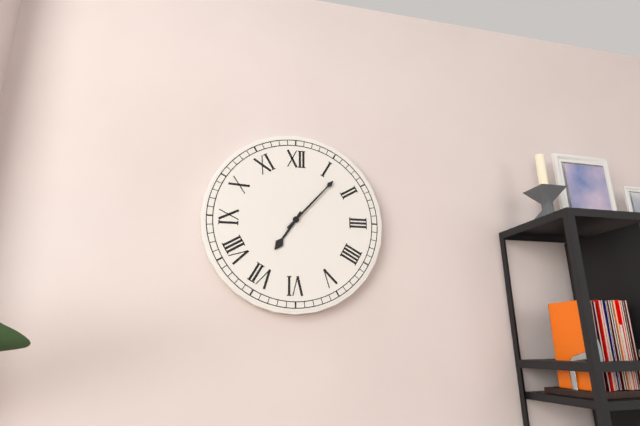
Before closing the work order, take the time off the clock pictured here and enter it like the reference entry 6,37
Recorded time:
7,07
